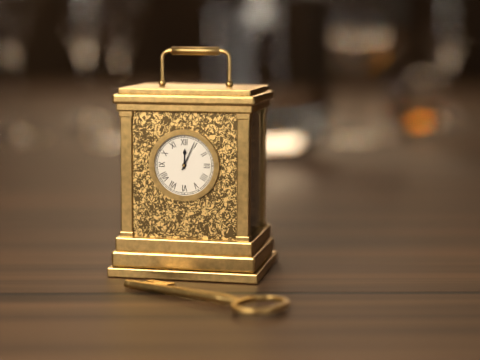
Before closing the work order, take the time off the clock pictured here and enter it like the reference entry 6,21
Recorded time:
12,04
